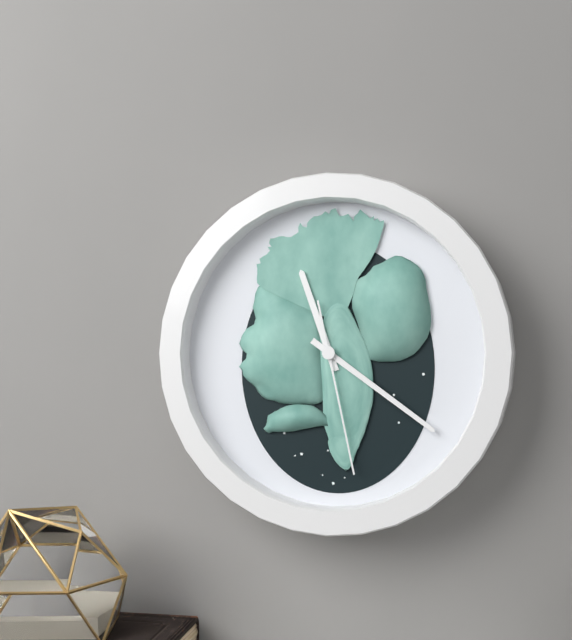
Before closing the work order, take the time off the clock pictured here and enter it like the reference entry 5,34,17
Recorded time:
11,21,28
